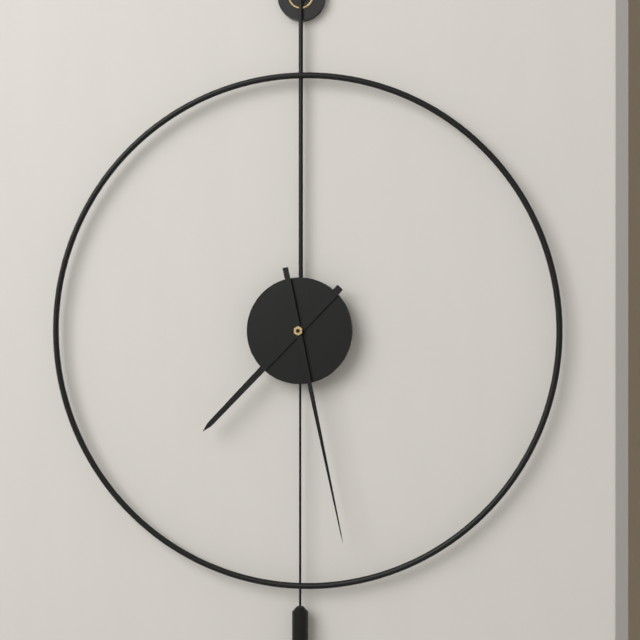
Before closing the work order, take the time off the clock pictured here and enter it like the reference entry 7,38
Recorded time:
7,28
